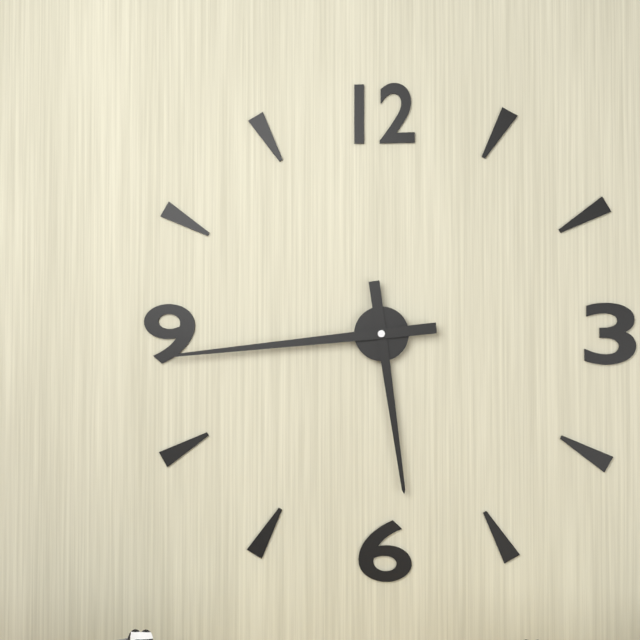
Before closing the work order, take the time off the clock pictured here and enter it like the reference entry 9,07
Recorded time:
5,44
